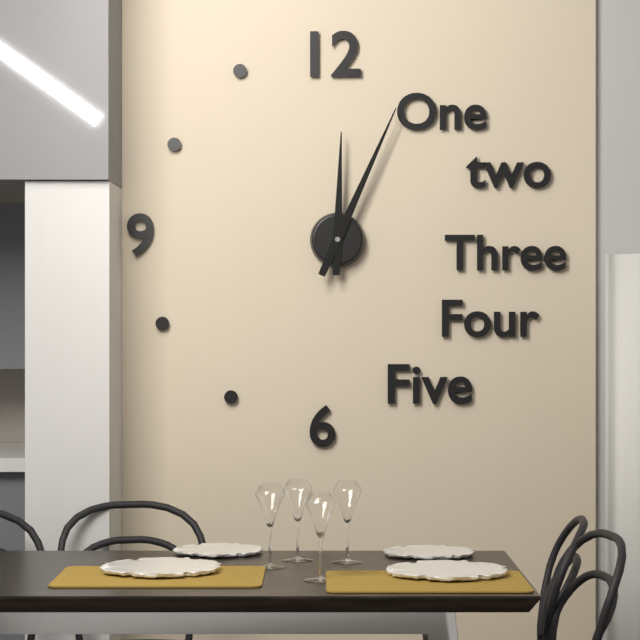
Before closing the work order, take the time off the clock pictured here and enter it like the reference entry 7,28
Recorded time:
12,04
